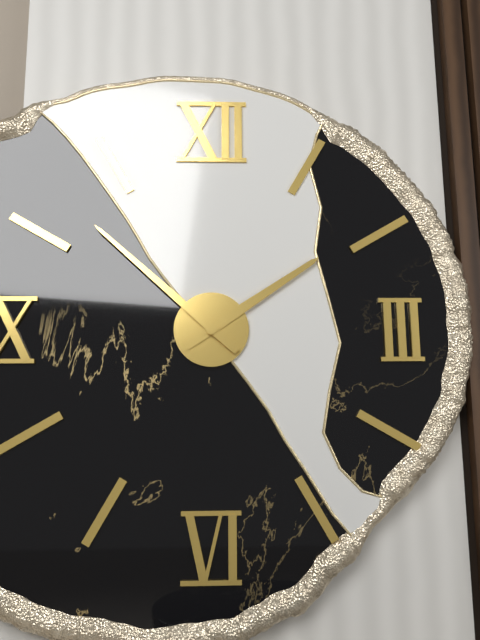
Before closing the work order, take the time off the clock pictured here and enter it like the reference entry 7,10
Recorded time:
1,52
